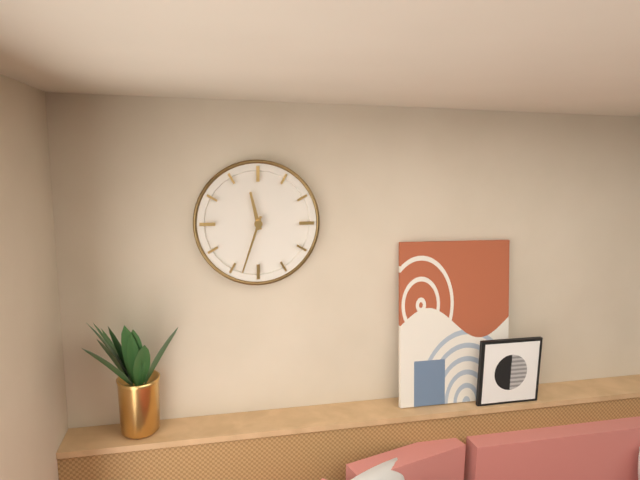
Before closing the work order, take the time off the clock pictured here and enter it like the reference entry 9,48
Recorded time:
11,33
